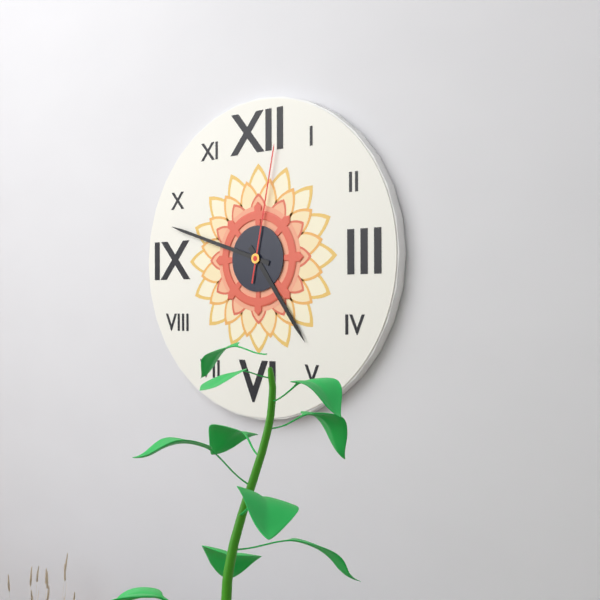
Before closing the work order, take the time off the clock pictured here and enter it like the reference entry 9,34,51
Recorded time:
4,48,02
